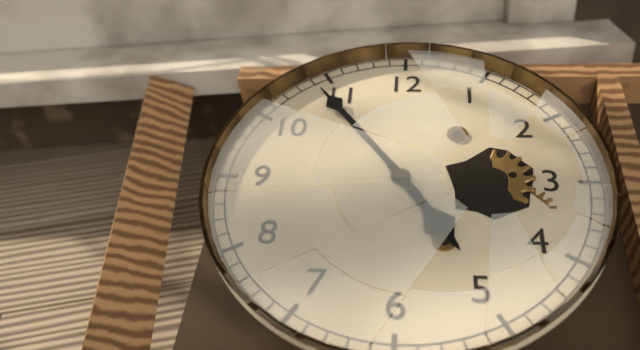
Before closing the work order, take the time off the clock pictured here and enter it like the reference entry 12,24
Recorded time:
4,54
